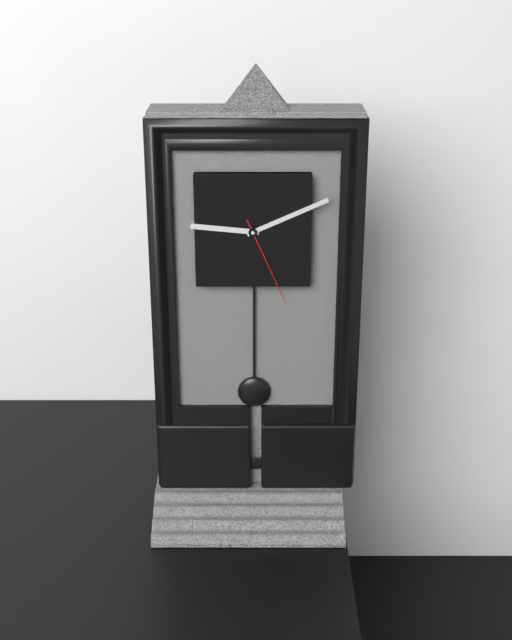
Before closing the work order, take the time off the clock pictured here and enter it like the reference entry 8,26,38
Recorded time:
9,11,26
